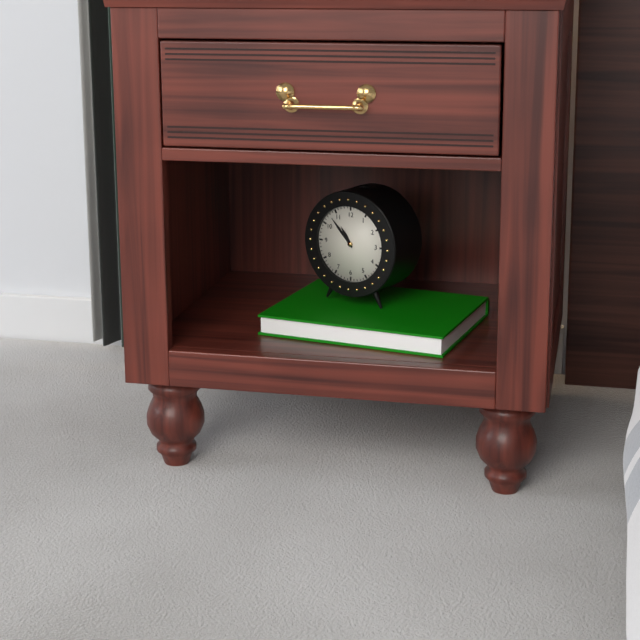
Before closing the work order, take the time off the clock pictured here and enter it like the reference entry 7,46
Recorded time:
10,53
